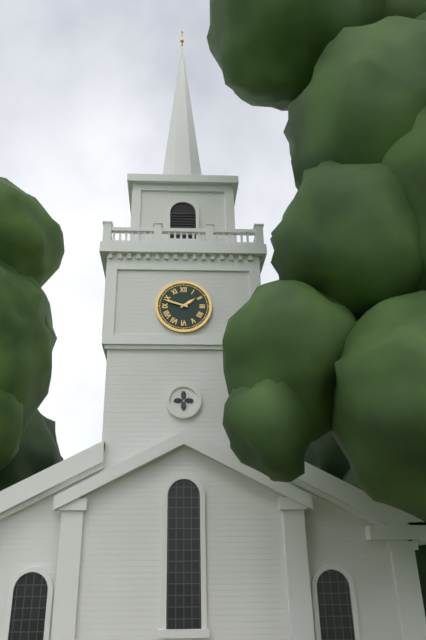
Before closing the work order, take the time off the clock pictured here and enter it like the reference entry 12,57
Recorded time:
1,48
